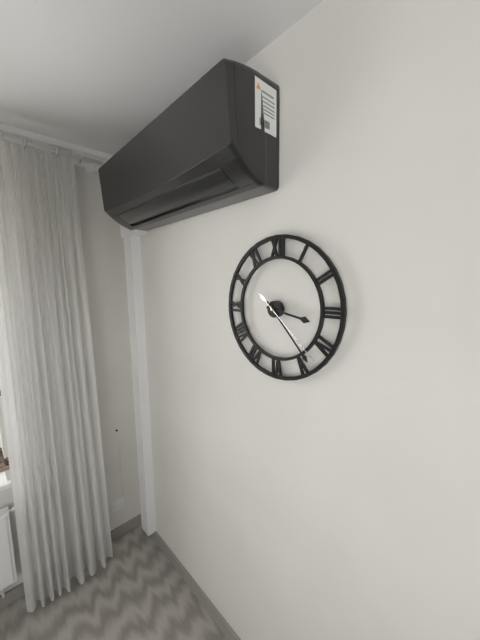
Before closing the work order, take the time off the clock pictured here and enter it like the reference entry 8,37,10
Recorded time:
3,23,22
